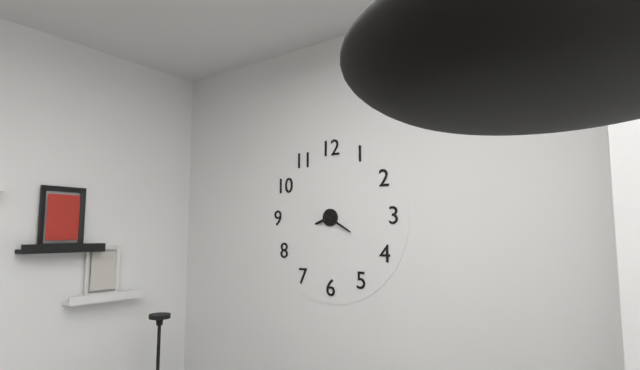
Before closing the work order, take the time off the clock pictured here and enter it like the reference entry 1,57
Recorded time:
8,20
